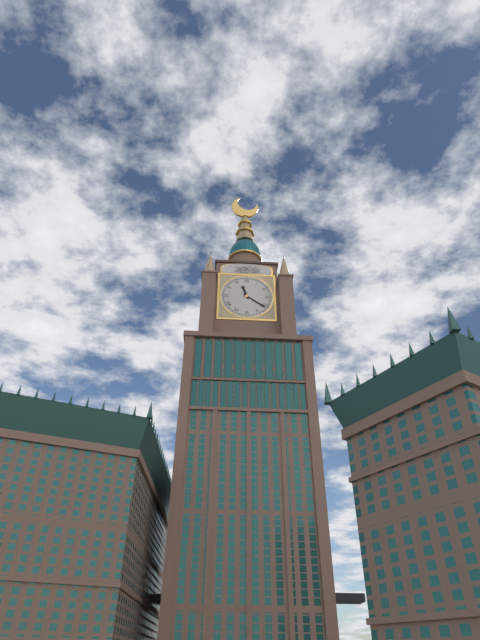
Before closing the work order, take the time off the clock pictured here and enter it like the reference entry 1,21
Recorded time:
11,21
